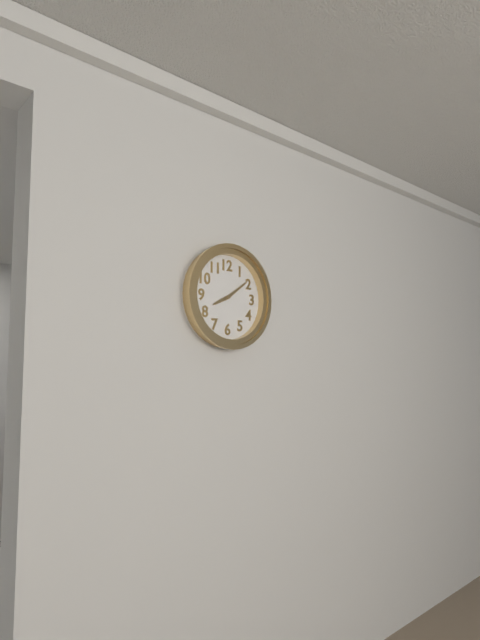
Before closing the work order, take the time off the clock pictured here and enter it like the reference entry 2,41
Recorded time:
8,09
